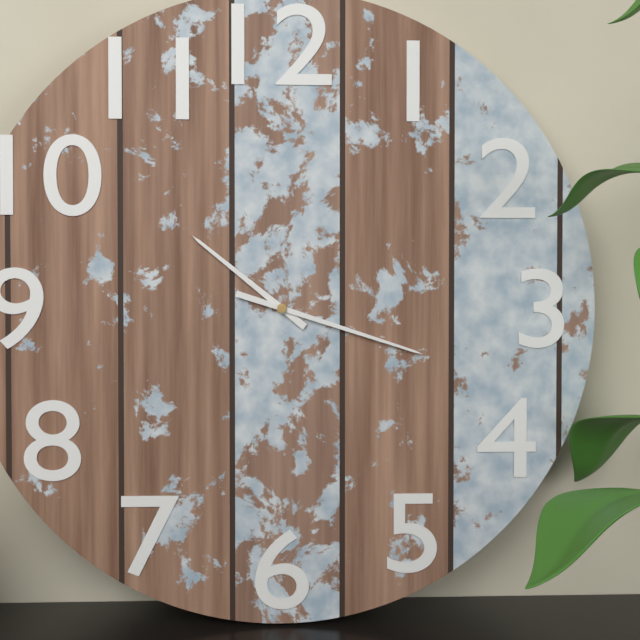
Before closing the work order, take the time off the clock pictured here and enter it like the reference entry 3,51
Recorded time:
10,18
